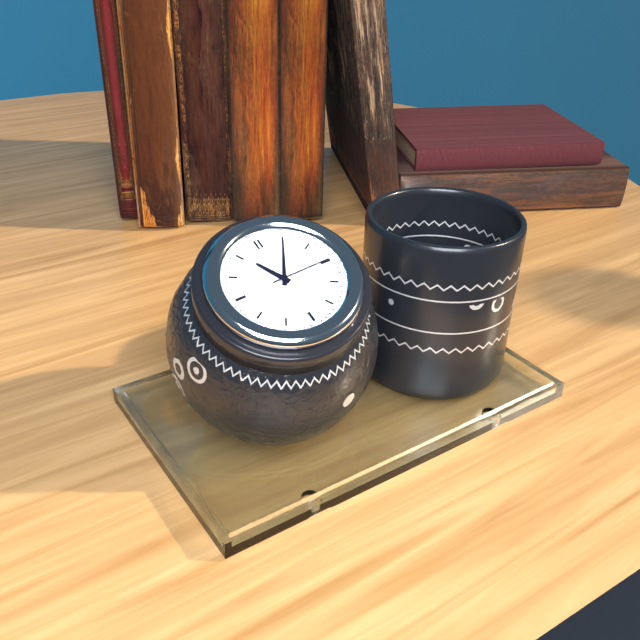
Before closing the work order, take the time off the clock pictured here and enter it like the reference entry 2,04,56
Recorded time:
11,05,15
